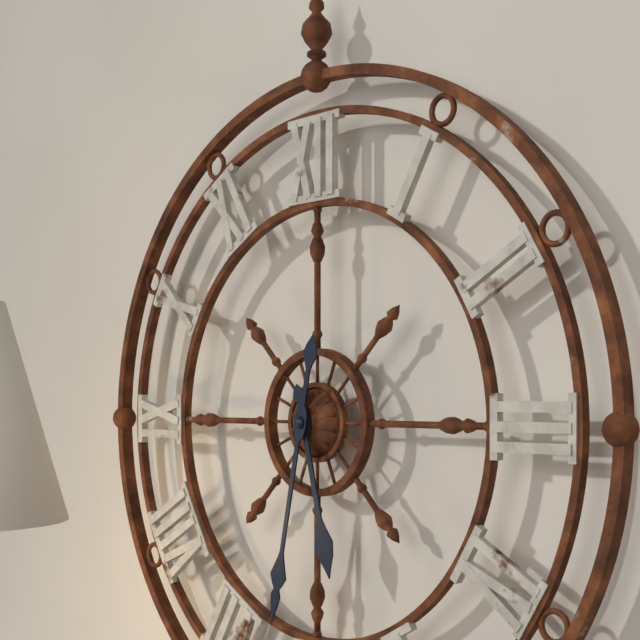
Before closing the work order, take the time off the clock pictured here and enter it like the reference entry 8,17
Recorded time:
5,32
